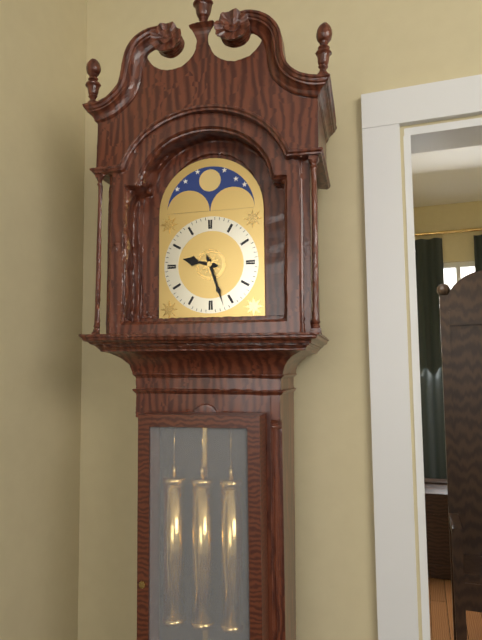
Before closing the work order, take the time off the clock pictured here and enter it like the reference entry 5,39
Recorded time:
9,27
